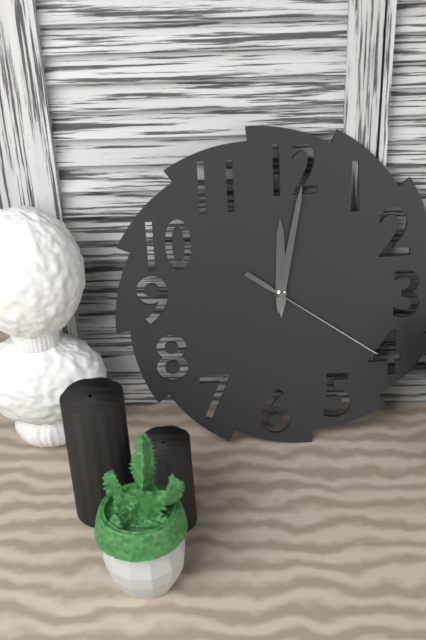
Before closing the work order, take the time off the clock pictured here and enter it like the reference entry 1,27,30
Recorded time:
12,02,21
